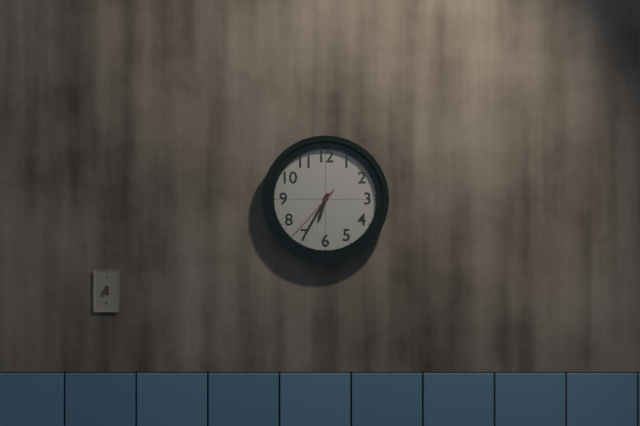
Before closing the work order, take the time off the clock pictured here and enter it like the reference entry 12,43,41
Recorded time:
6,35,37
